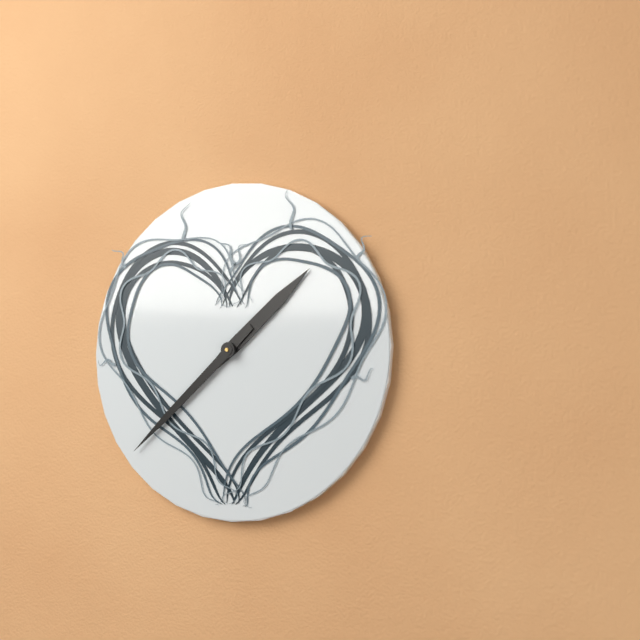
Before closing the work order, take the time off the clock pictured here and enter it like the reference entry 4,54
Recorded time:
1,38
